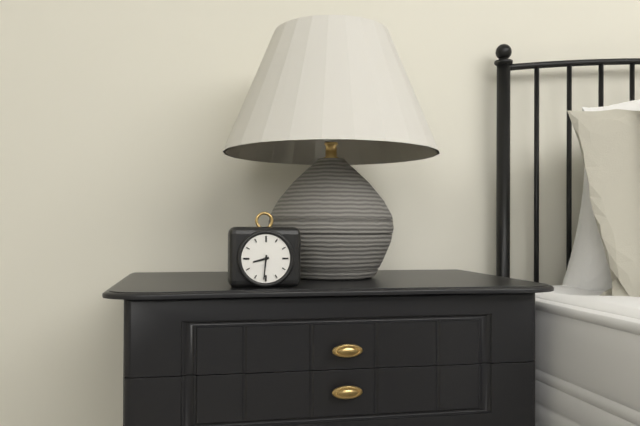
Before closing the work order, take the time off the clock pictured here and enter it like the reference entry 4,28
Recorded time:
8,31
